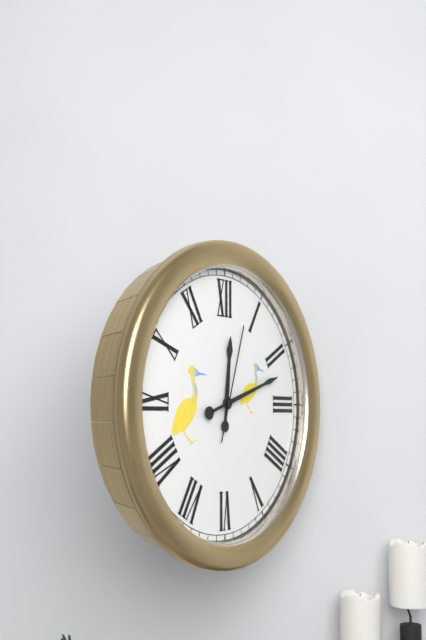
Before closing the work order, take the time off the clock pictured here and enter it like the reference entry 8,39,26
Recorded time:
12,12,03
